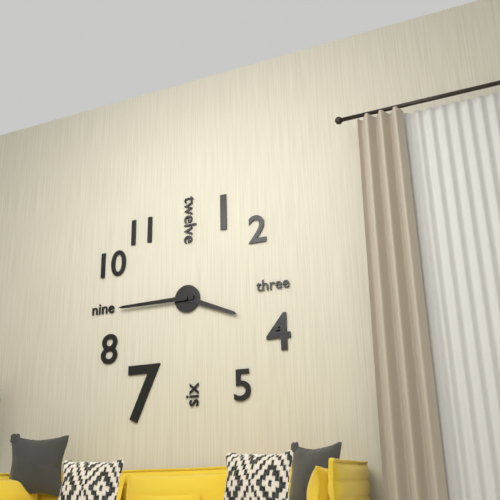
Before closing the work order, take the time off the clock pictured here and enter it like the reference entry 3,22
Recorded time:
3,45
